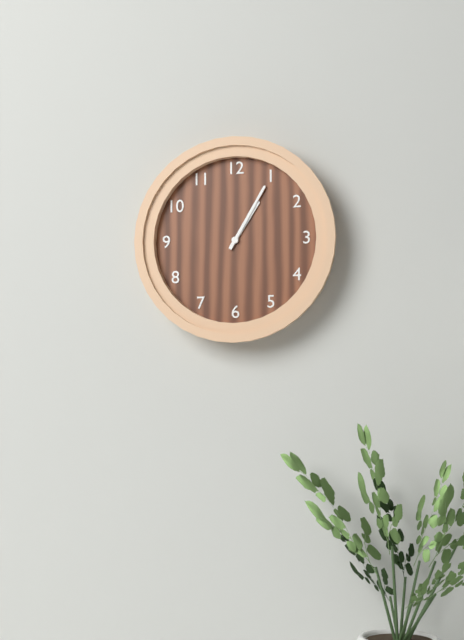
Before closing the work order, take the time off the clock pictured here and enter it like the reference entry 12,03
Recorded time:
1,05
